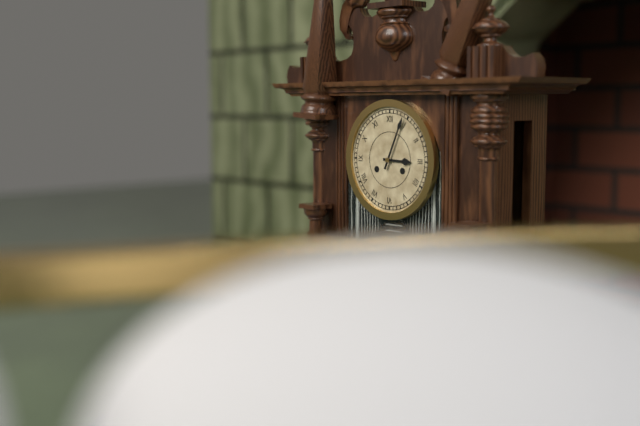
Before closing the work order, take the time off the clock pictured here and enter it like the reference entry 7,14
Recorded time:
3,04
